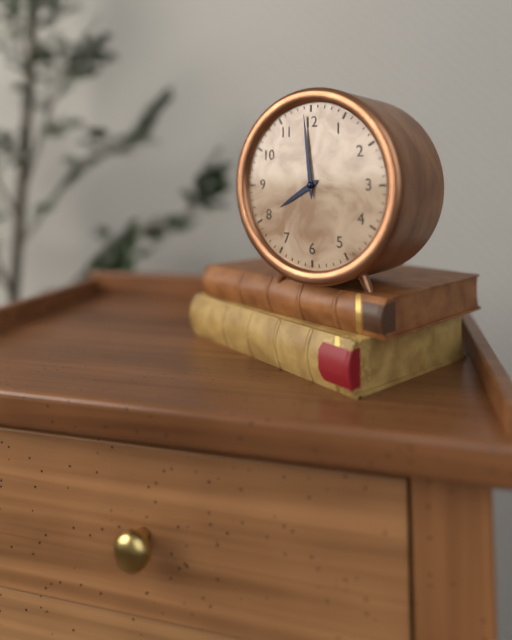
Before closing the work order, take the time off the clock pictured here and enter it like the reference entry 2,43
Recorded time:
7,59
